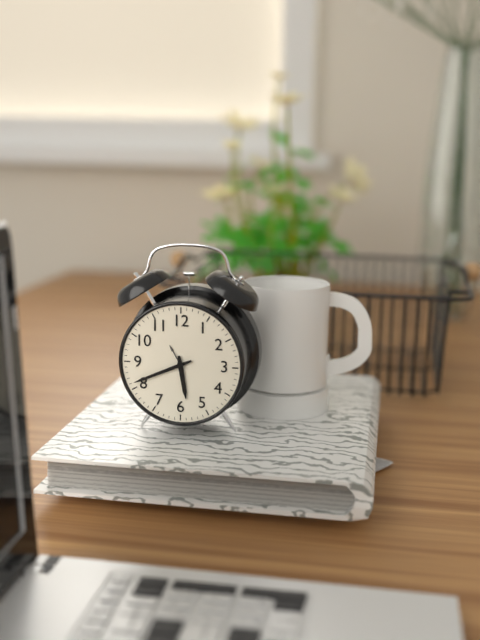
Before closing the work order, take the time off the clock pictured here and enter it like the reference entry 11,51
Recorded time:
5,41
